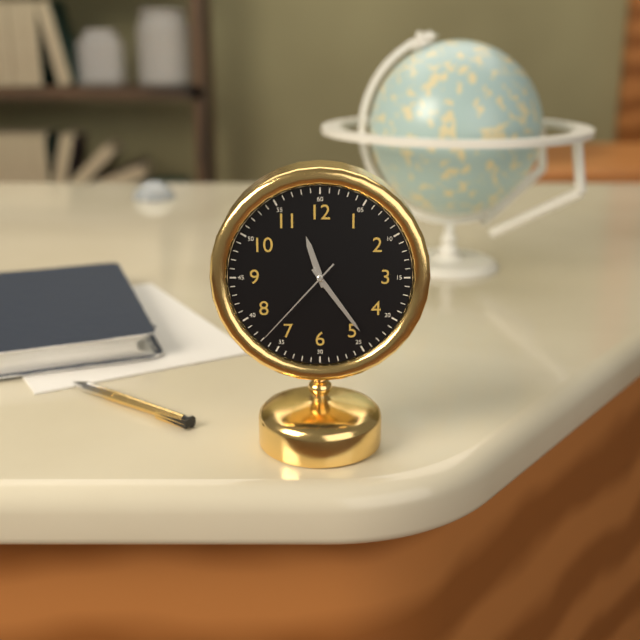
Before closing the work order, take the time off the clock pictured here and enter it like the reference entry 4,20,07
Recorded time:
11,24,37
